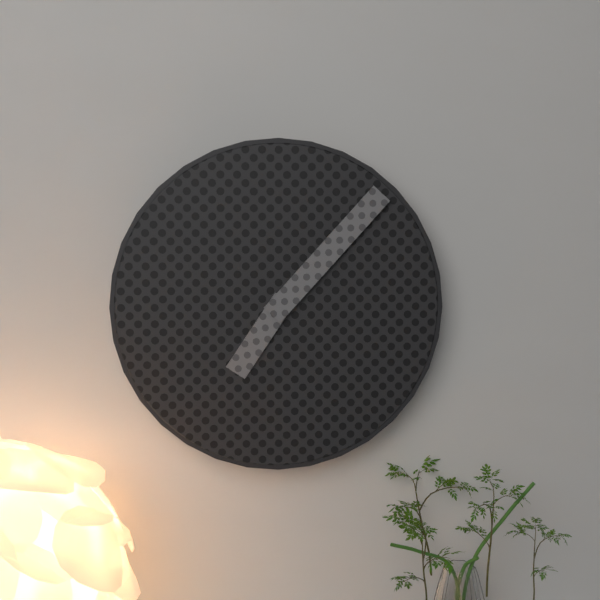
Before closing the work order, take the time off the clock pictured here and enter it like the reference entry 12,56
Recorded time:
7,07
